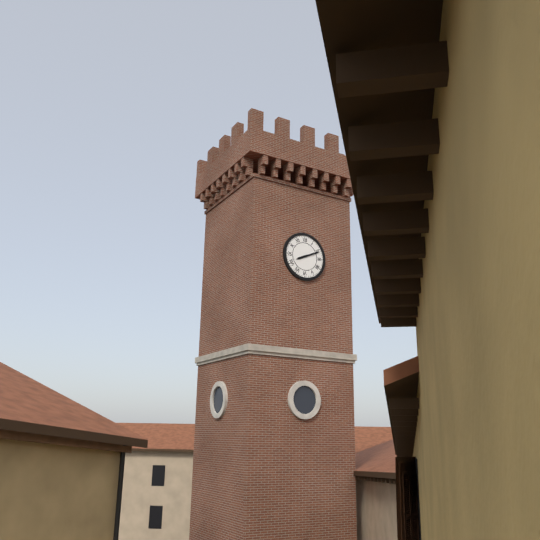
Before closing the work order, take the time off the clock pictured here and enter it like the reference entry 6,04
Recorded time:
8,11
